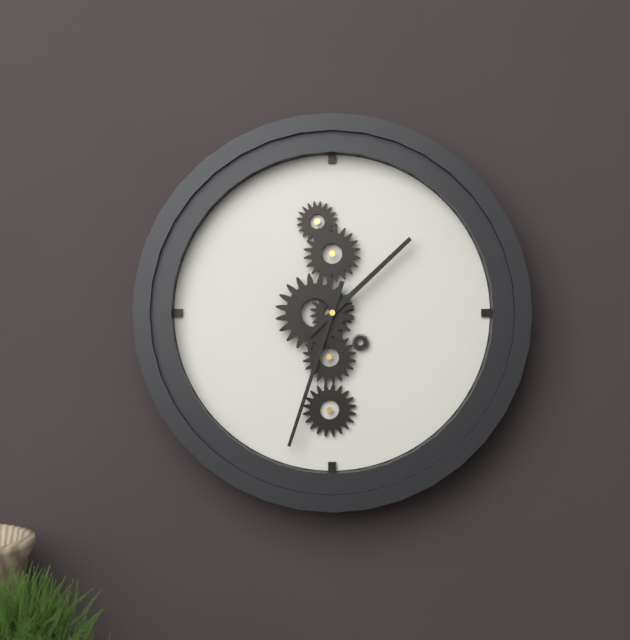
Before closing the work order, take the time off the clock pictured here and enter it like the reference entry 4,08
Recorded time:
1,33
